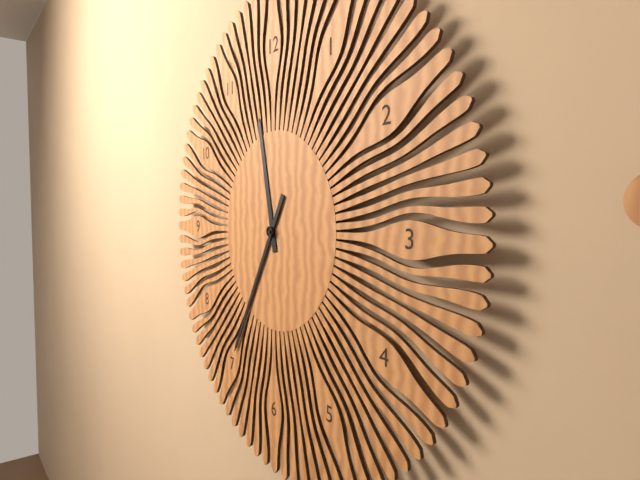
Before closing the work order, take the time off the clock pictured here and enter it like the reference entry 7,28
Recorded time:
11,35
